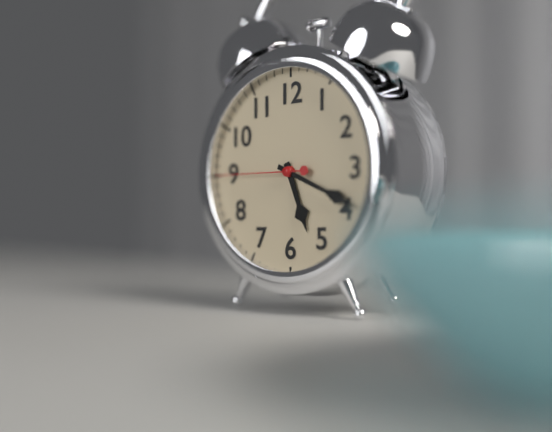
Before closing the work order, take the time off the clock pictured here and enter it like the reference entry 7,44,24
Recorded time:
5,19,45
